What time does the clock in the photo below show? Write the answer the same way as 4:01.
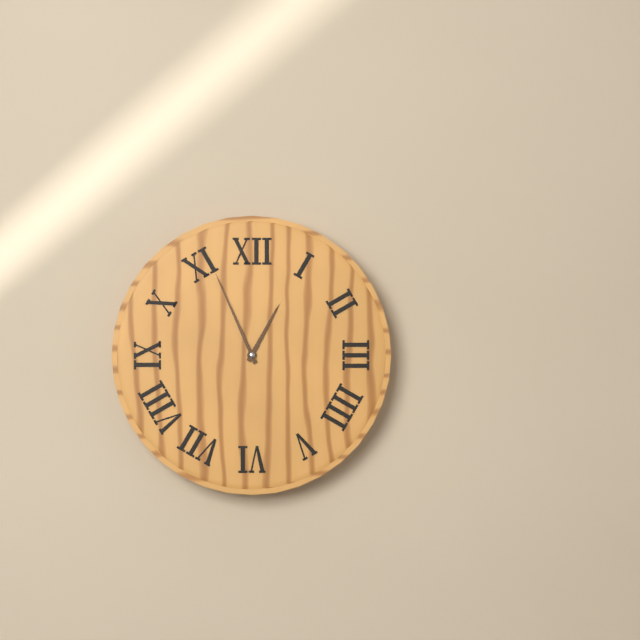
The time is 12:56
